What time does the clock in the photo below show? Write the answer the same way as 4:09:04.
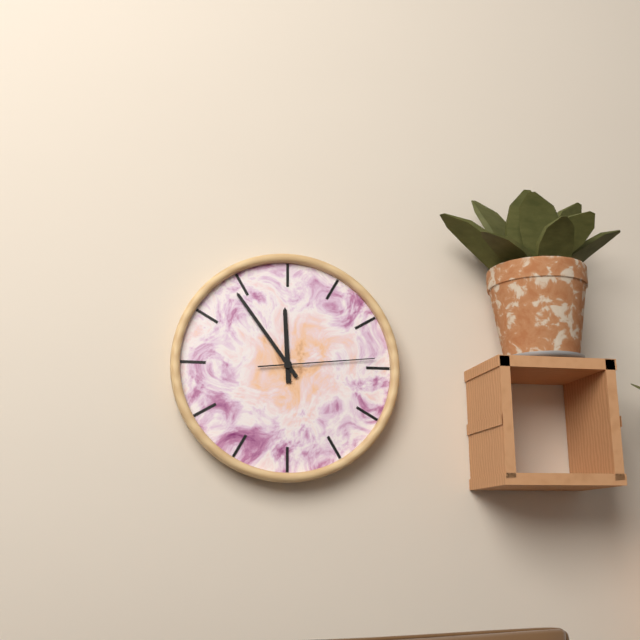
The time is 11:54:14
